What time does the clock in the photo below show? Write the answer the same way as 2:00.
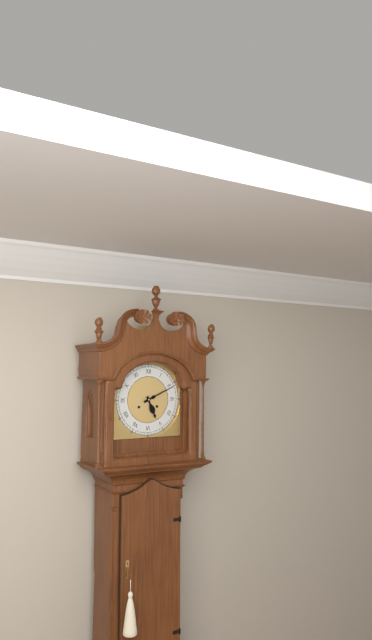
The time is 5:11
